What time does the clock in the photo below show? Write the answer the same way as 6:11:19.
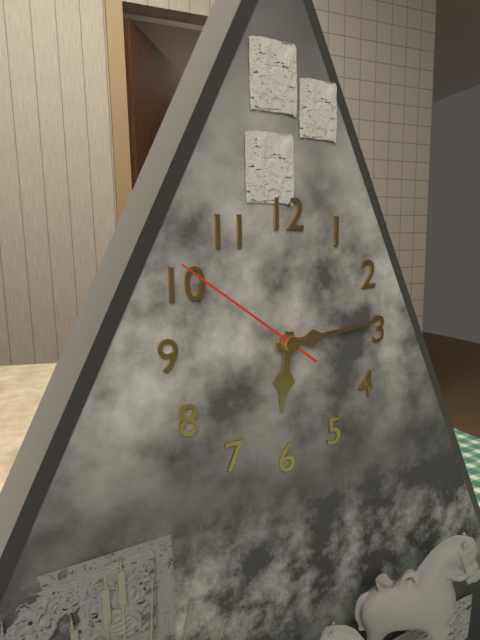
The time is 6:14:51
